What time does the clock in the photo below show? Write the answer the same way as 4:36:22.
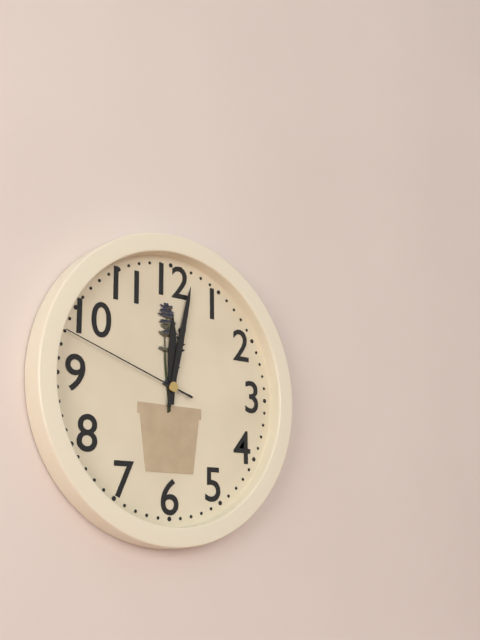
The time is 12:02:48
